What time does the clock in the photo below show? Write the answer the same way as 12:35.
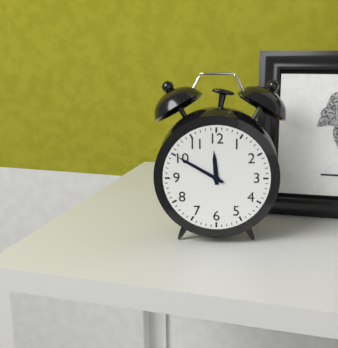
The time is 11:50
